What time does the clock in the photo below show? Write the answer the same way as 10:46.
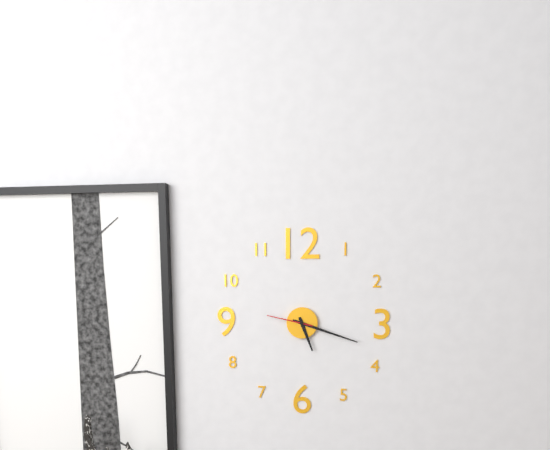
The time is 5:18
